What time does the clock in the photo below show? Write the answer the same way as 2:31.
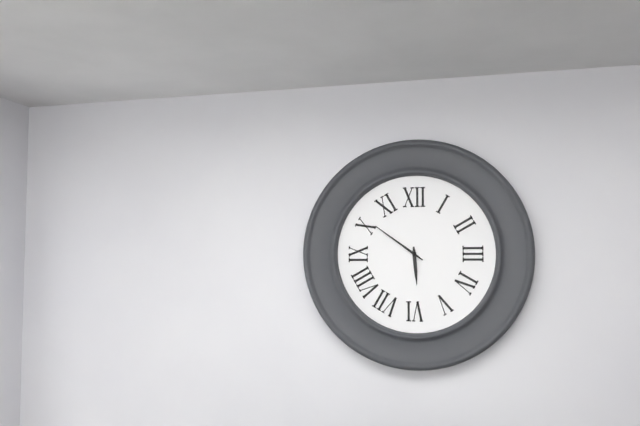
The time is 5:51
